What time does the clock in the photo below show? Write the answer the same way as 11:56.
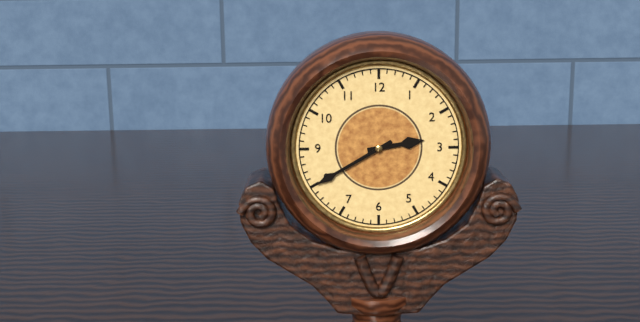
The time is 2:40
